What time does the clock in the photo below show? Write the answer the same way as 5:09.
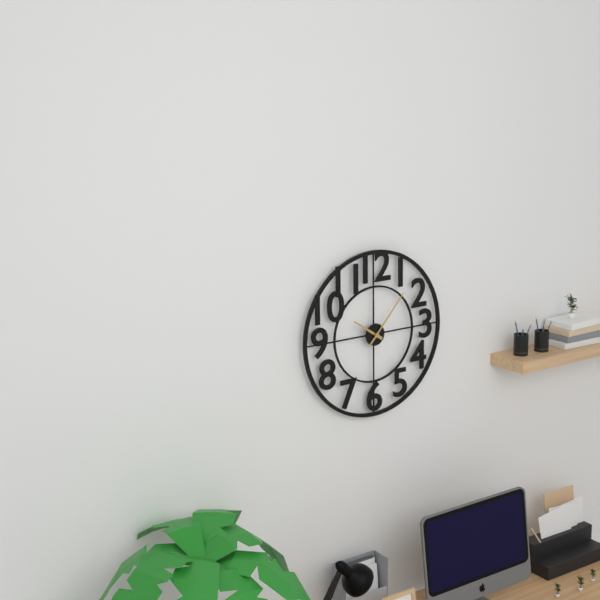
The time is 10:07
